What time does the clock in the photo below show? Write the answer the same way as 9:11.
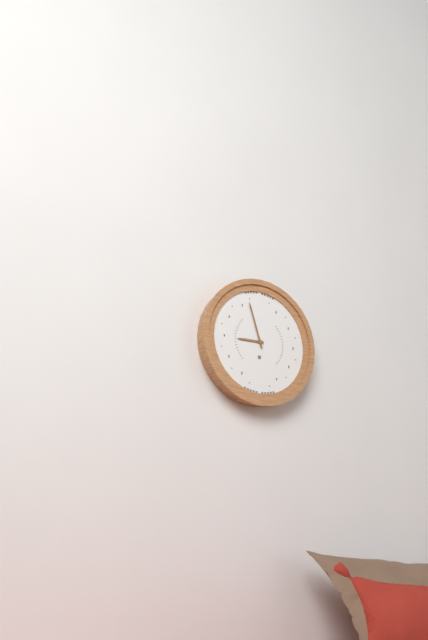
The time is 8:57
